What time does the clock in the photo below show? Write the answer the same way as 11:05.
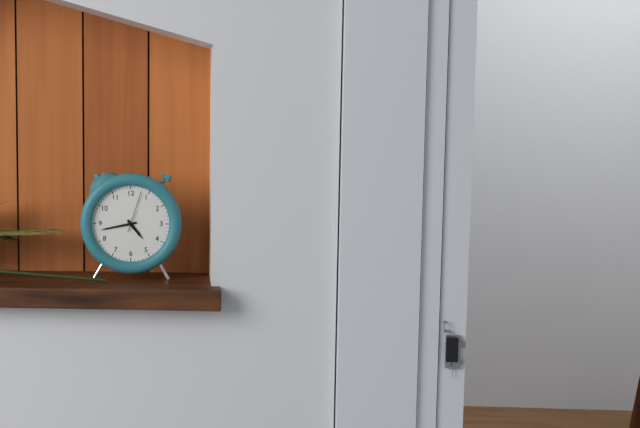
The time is 4:43
